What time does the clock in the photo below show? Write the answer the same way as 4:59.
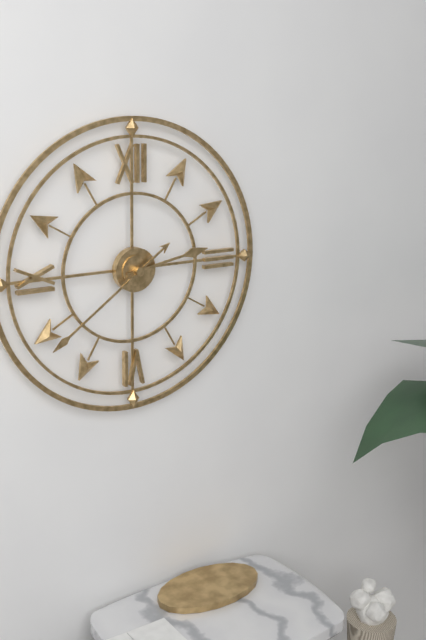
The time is 2:39
